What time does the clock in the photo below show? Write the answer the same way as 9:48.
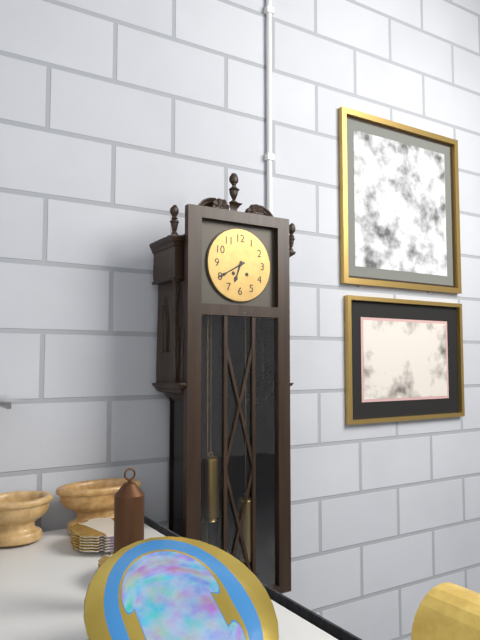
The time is 6:40
